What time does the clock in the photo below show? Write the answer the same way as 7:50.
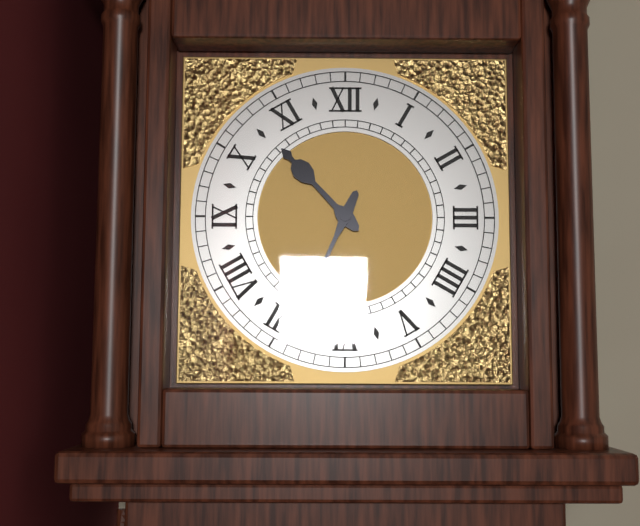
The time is 10:34
